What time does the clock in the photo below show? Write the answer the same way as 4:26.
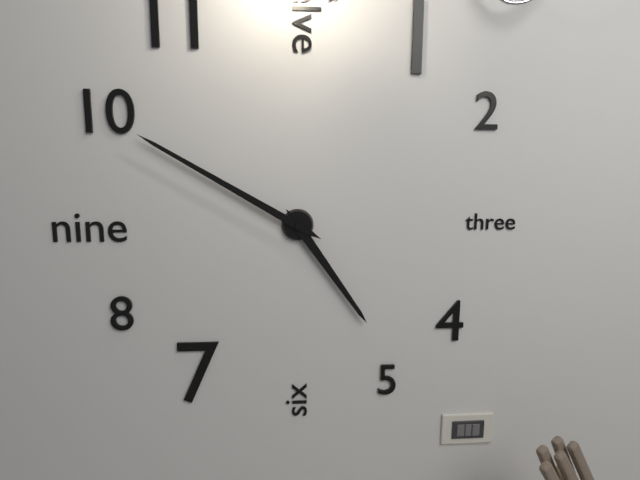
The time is 4:50
